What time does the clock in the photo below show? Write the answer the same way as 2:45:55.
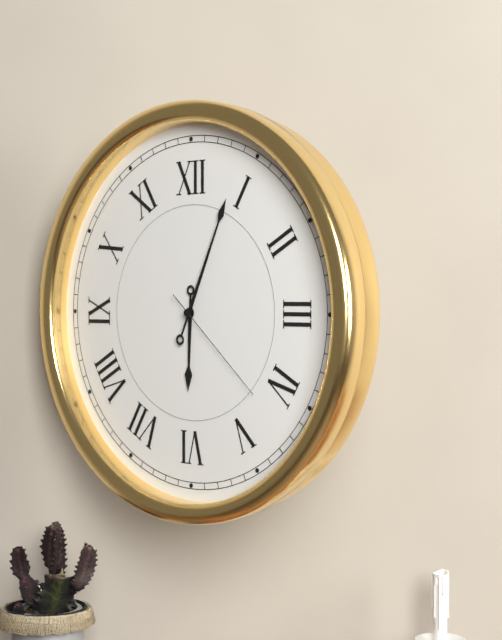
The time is 6:04:22
